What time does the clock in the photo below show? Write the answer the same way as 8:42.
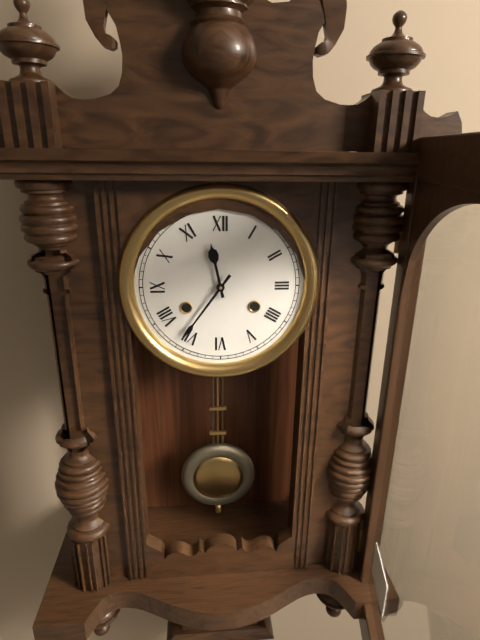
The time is 11:36
